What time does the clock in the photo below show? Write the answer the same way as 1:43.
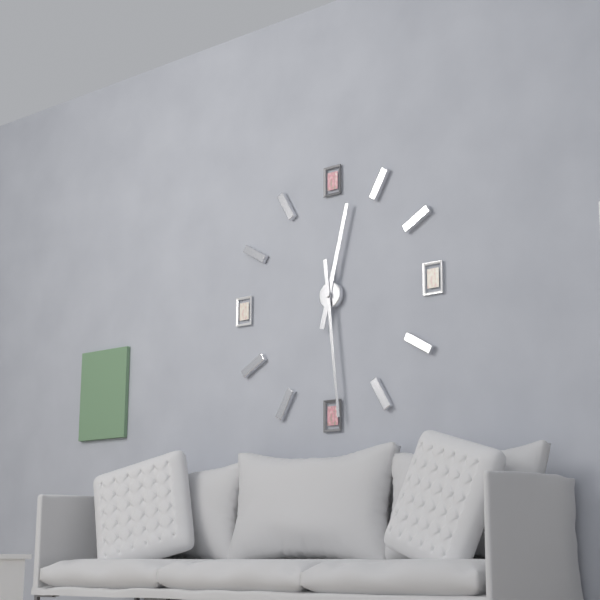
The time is 12:29
